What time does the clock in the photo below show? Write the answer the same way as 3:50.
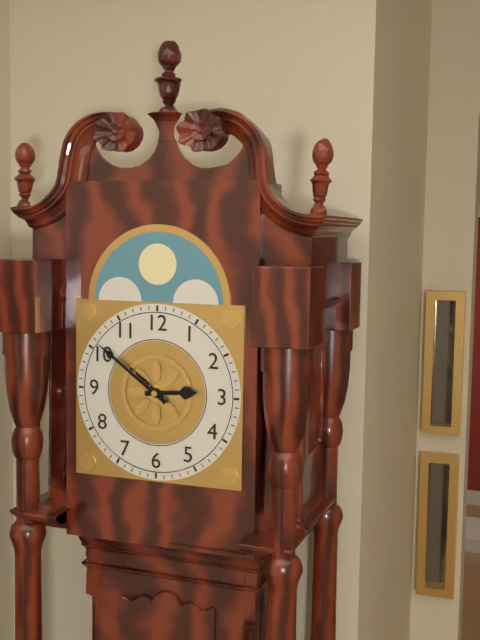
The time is 2:51
